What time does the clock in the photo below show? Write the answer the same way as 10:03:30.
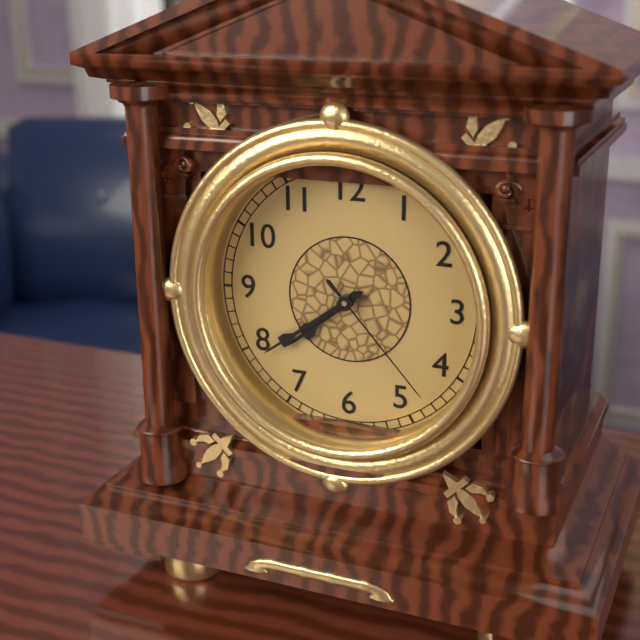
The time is 7:39:23
